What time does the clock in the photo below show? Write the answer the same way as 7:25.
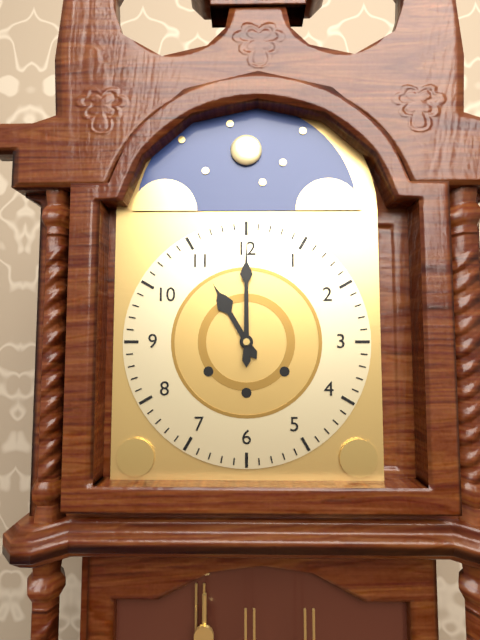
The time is 11:00
